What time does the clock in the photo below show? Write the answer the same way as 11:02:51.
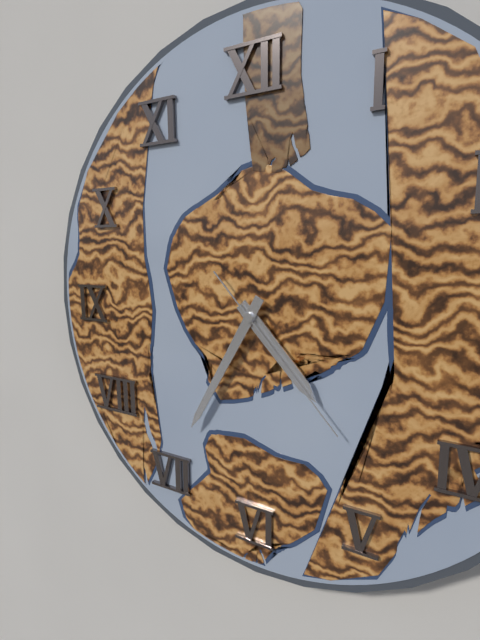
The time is 4:35:23
